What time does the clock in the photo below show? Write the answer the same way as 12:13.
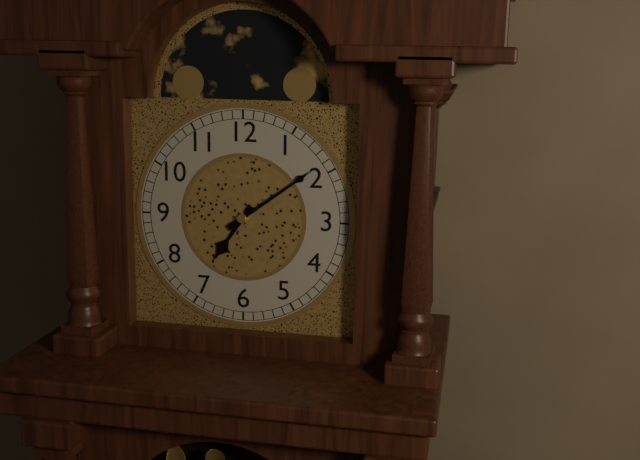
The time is 7:09
